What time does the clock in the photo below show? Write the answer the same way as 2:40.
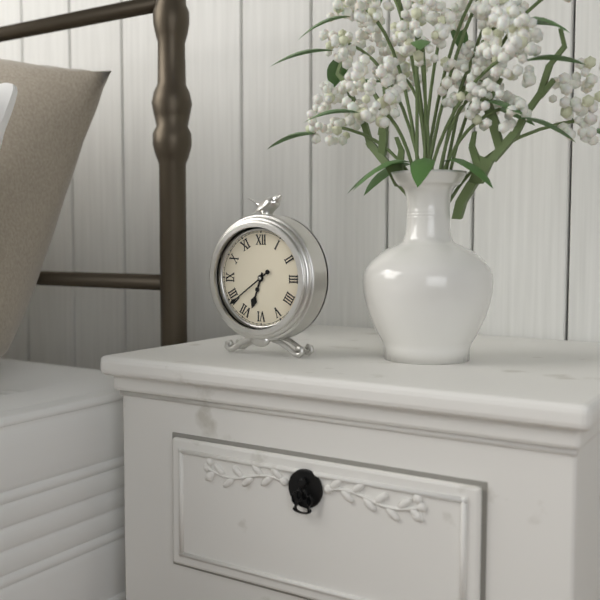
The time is 6:39
